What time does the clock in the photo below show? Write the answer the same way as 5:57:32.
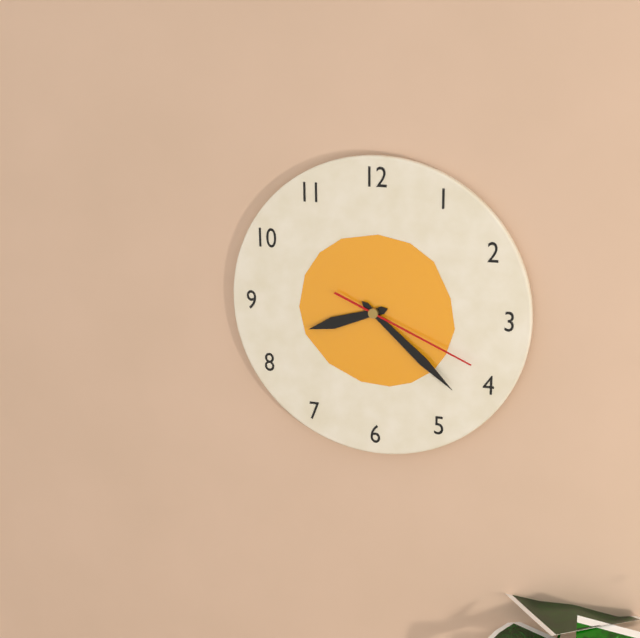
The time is 8:22:19
